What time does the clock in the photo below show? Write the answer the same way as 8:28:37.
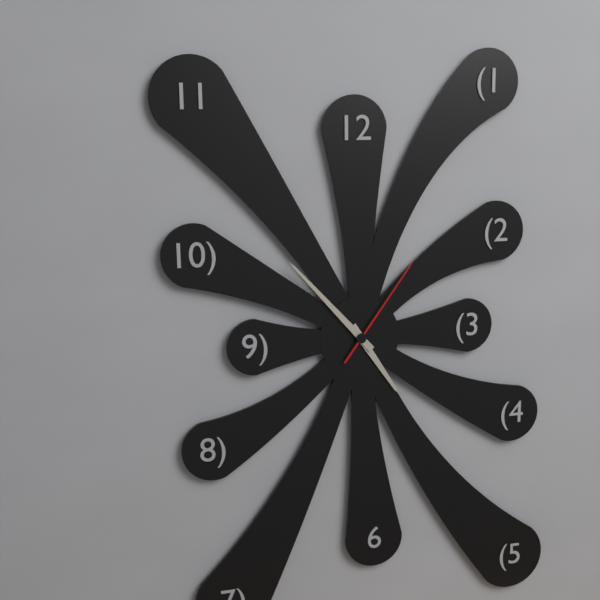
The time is 4:53:06
